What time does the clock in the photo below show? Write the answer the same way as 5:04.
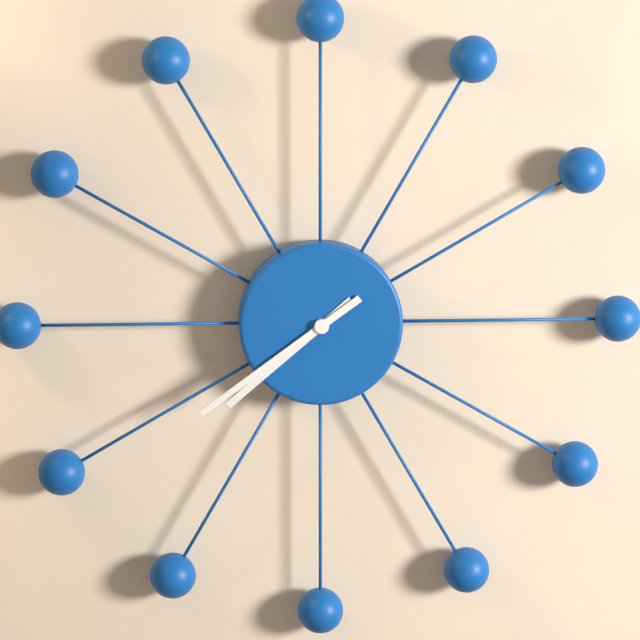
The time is 7:39
